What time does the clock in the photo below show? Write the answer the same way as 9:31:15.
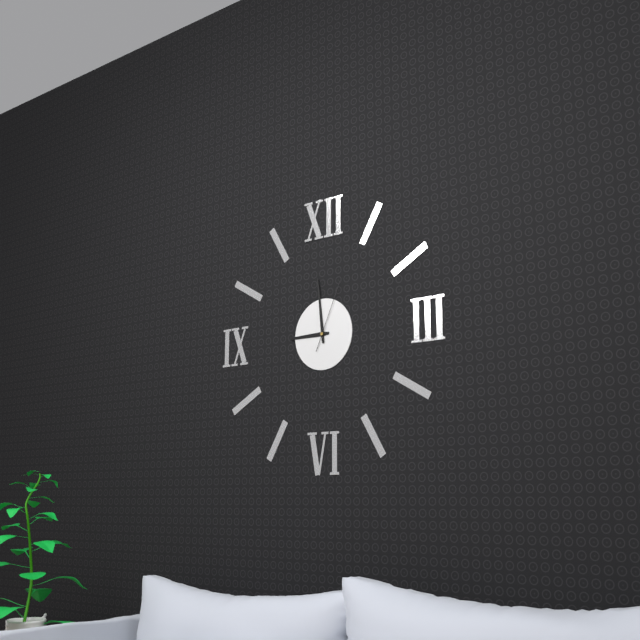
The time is 8:59:04
